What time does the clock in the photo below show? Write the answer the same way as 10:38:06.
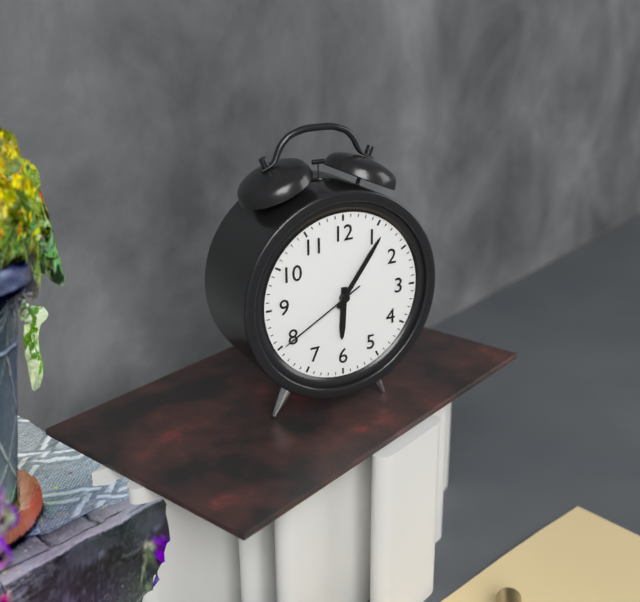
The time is 6:06:40
